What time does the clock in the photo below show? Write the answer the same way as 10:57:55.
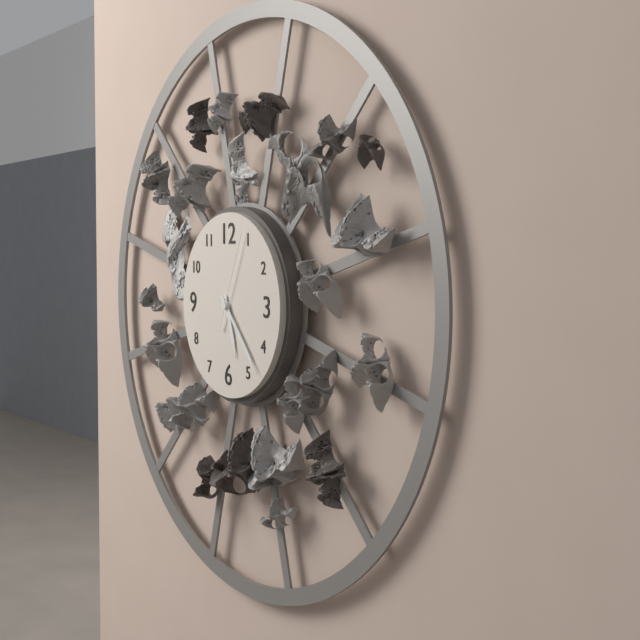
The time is 5:23:04
